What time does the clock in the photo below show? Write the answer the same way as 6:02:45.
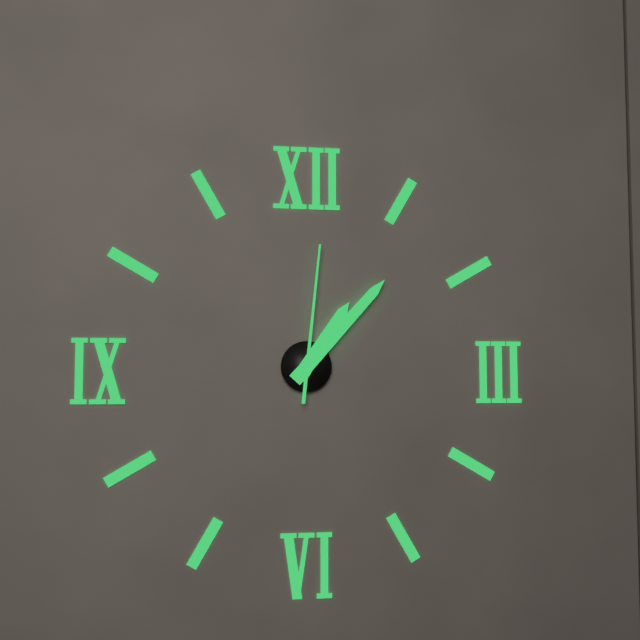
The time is 1:07:01
